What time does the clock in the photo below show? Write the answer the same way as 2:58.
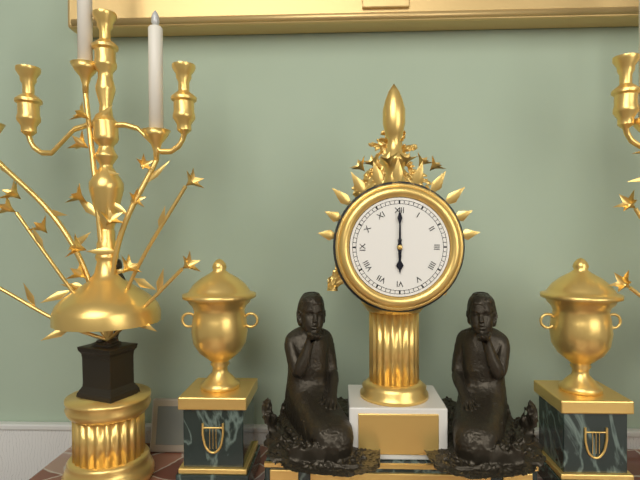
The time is 6:00
